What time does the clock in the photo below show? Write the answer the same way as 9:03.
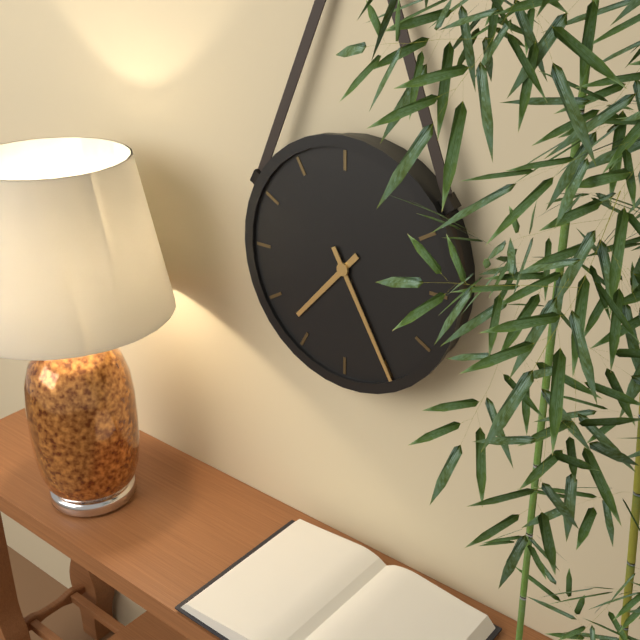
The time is 7:25
